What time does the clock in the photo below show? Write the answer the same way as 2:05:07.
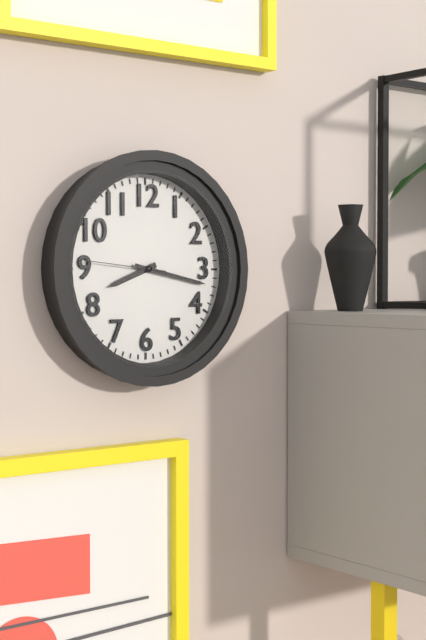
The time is 8:17:46
